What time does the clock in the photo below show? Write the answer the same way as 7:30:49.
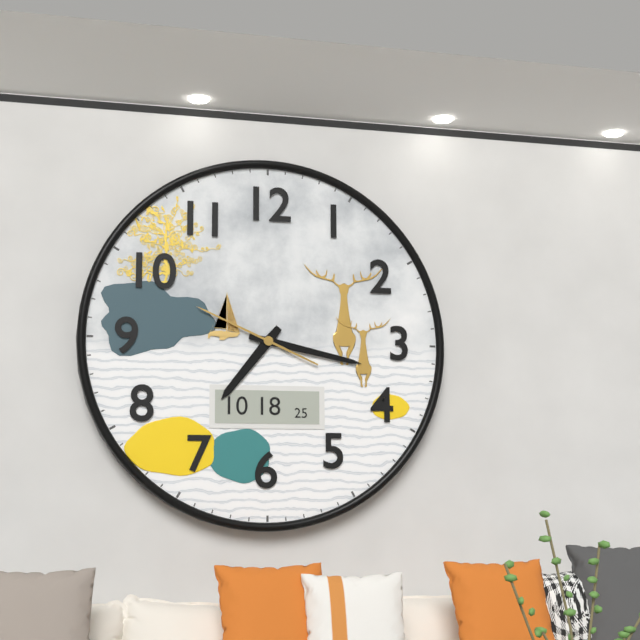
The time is 7:17:49
